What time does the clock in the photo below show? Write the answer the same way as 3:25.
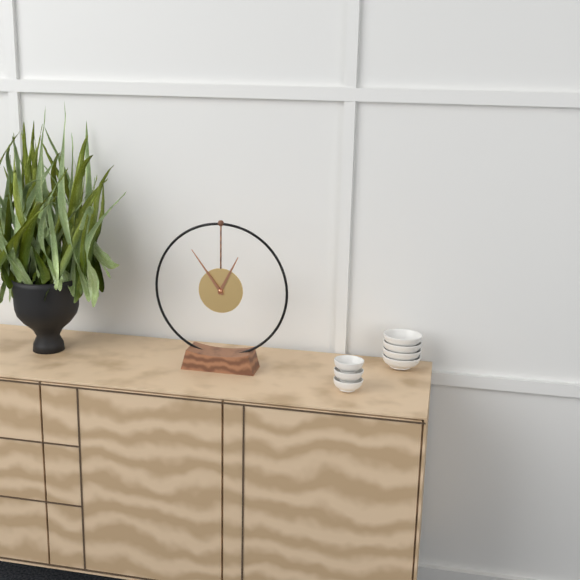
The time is 12:54
